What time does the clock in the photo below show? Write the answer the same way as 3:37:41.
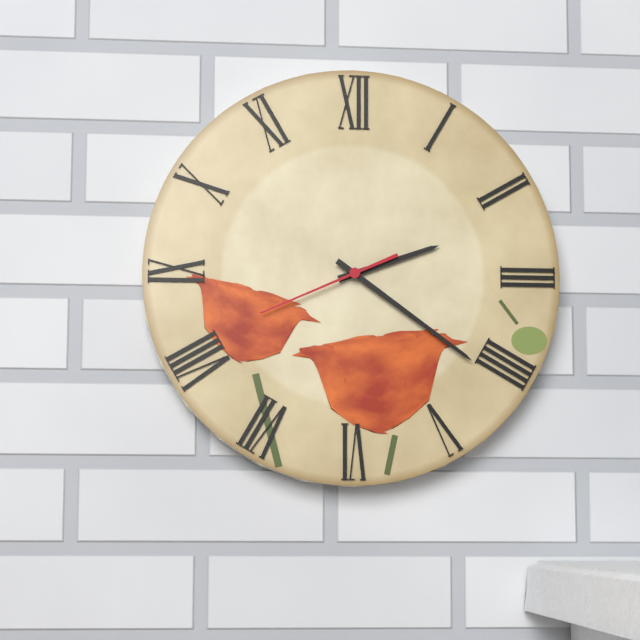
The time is 2:21:41
